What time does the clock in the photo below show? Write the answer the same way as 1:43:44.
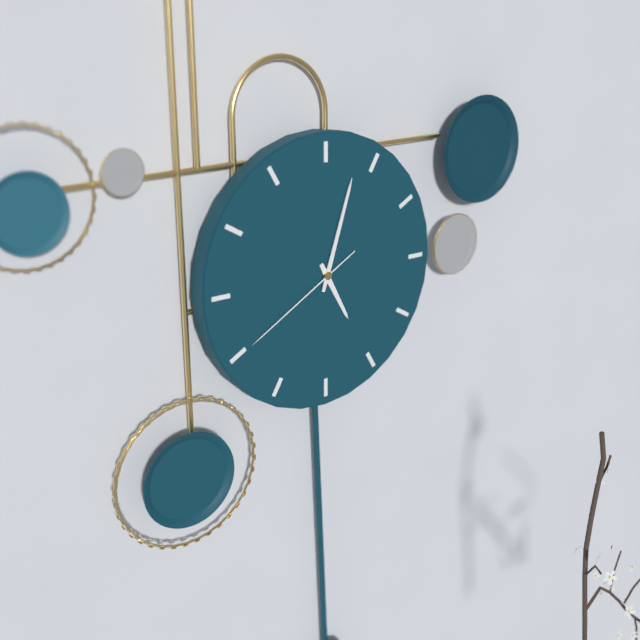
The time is 5:03:40
